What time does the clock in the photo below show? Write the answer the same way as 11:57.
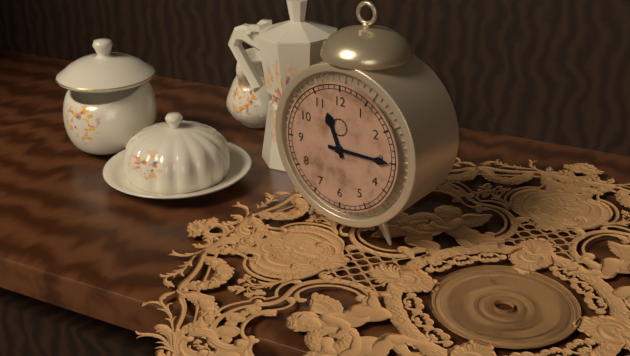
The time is 11:15
